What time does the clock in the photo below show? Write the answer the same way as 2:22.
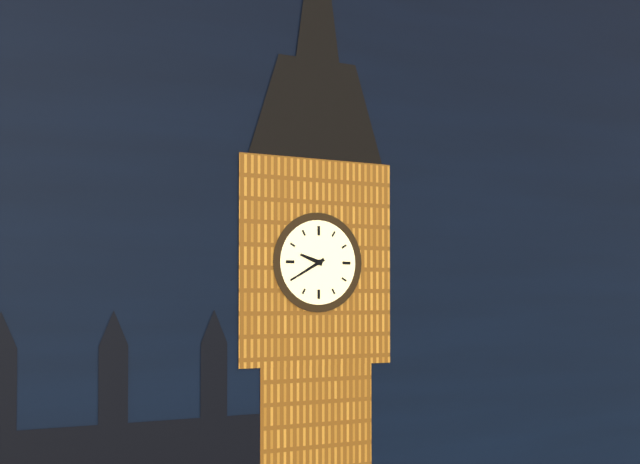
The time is 9:40
